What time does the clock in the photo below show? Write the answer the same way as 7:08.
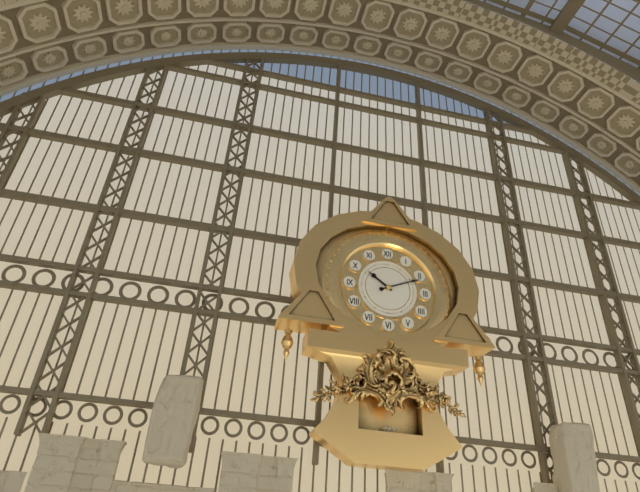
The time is 10:11
